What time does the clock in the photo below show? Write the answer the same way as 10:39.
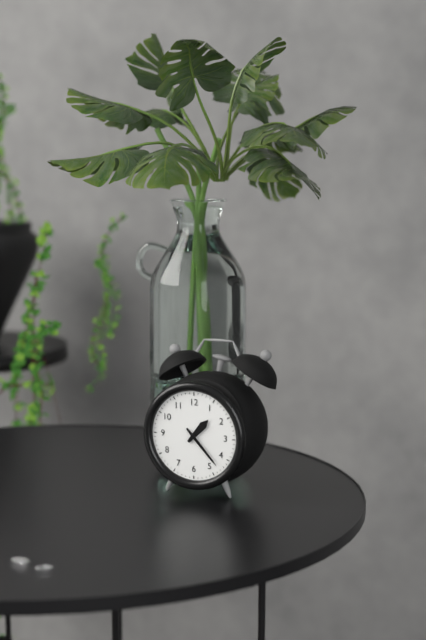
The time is 1:23
